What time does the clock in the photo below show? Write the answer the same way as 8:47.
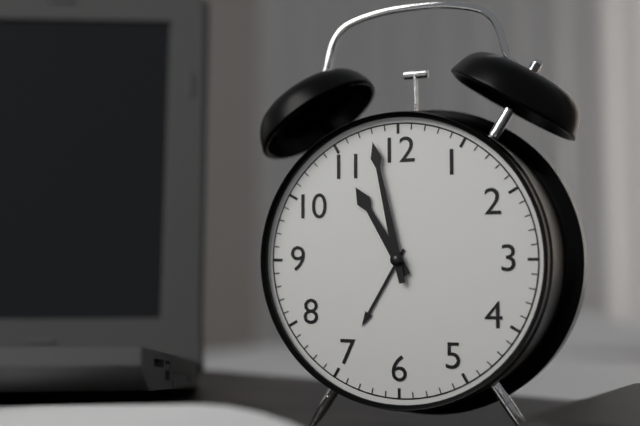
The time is 10:58
